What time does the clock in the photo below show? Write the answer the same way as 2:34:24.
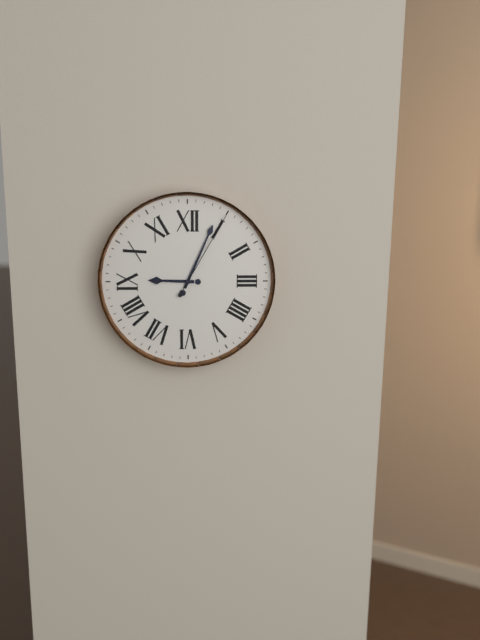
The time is 9:04:05
